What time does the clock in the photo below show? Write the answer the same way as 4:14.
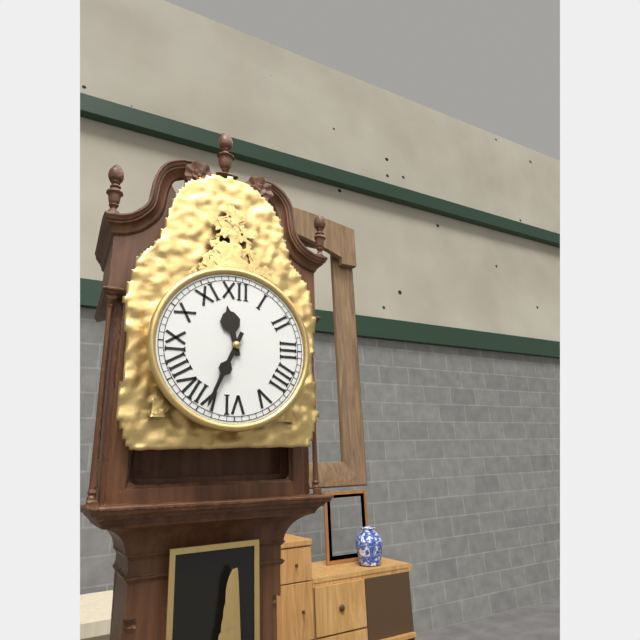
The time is 11:34
